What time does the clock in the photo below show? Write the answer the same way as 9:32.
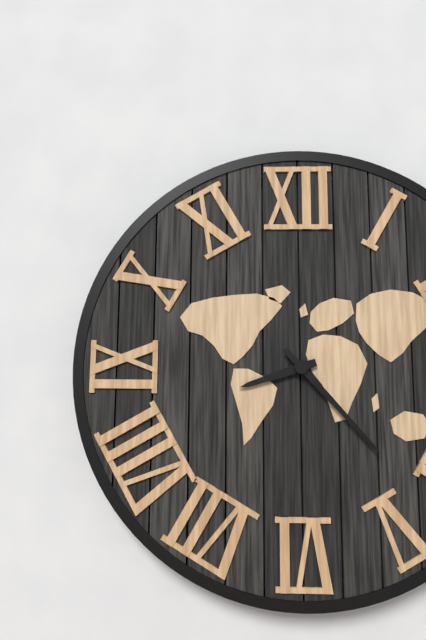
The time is 8:23
